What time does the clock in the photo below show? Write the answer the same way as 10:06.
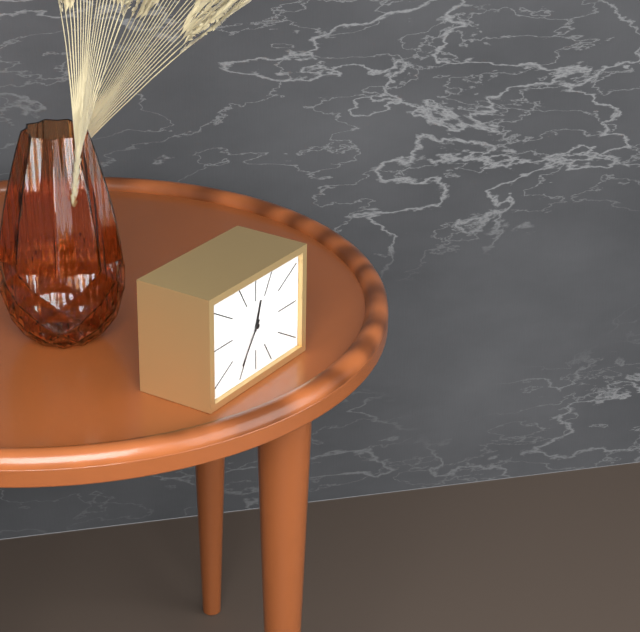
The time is 12:36
